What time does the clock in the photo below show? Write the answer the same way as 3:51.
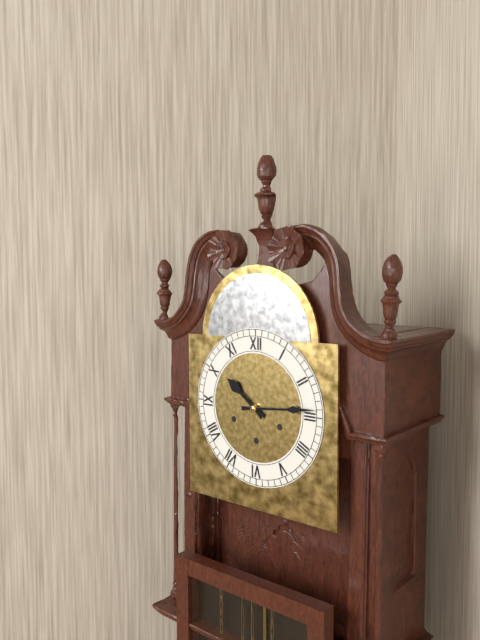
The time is 10:14
